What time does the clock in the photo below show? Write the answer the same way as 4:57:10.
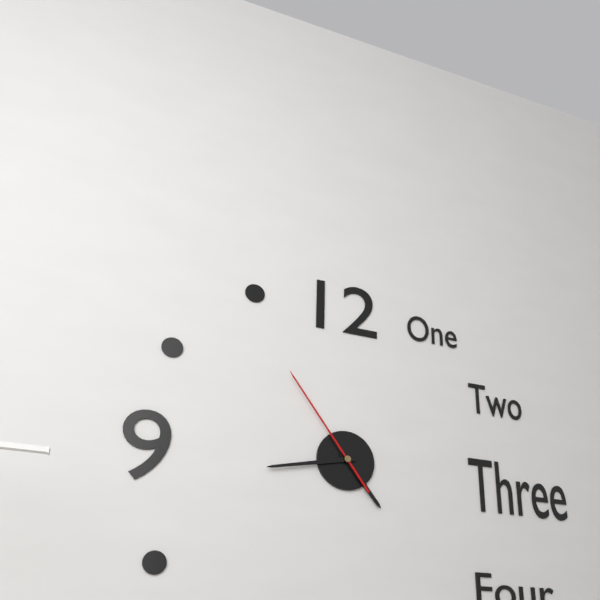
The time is 4:43:54
